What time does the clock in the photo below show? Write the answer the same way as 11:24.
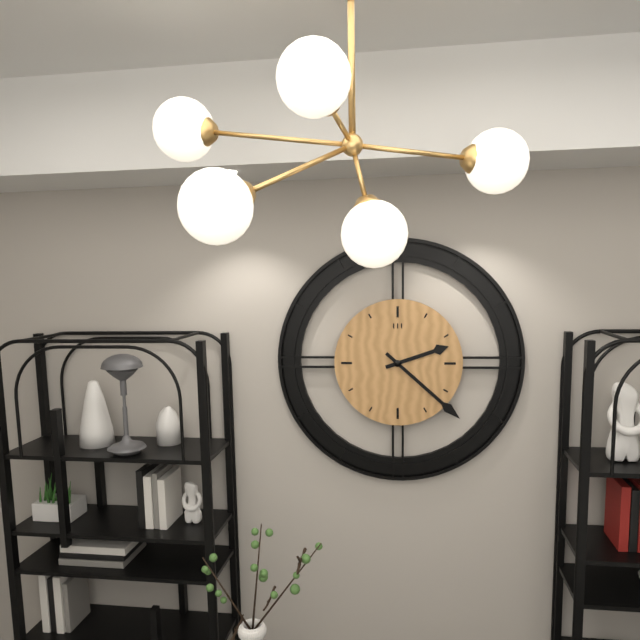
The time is 2:22
